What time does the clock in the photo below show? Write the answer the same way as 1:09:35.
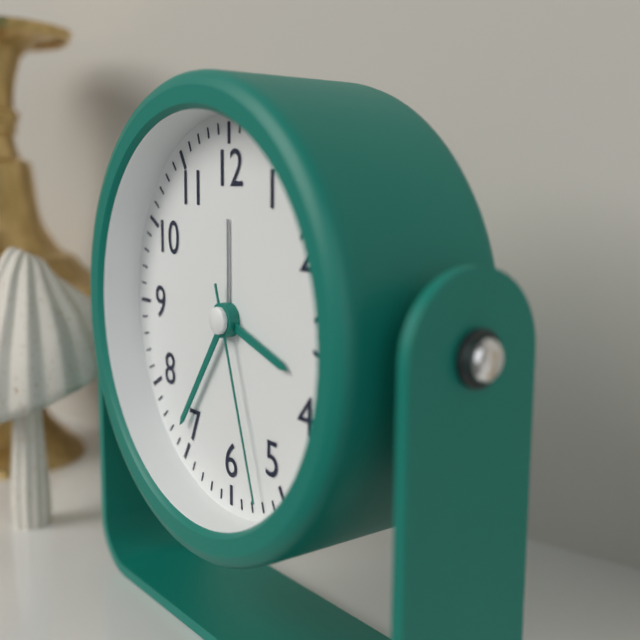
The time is 3:36:27
